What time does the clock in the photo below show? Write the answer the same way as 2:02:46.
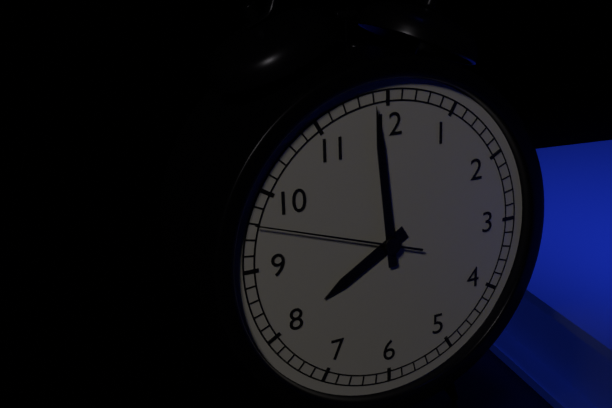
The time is 7:59:48
